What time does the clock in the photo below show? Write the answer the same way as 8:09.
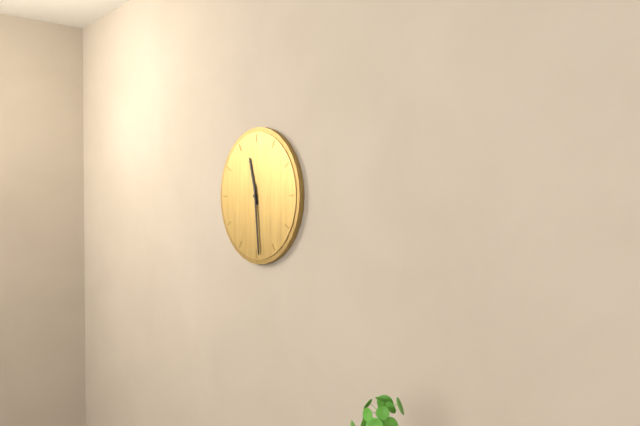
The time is 11:29
